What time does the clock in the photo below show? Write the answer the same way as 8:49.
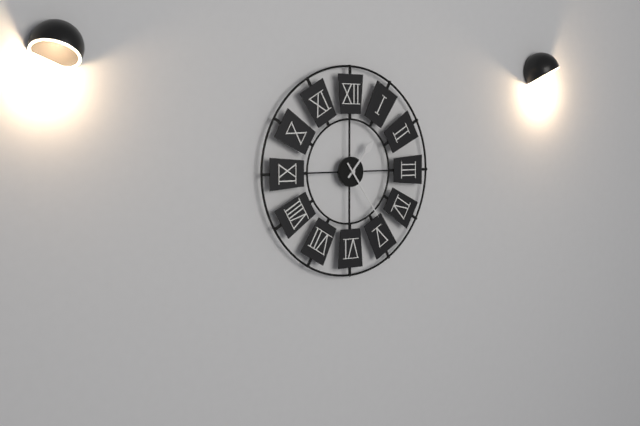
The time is 1:24
